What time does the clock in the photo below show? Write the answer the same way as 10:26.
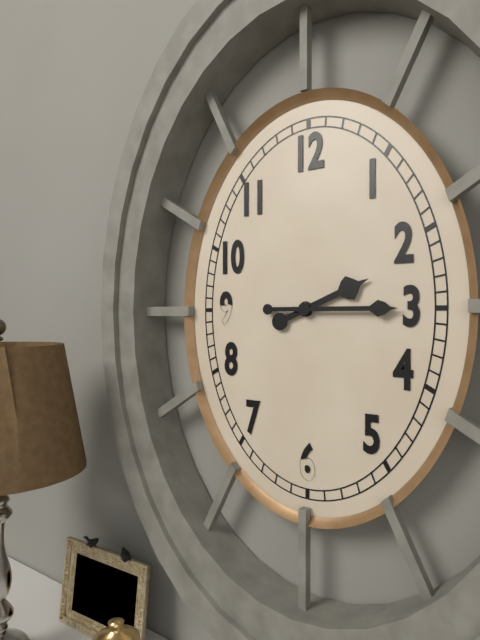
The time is 2:15
